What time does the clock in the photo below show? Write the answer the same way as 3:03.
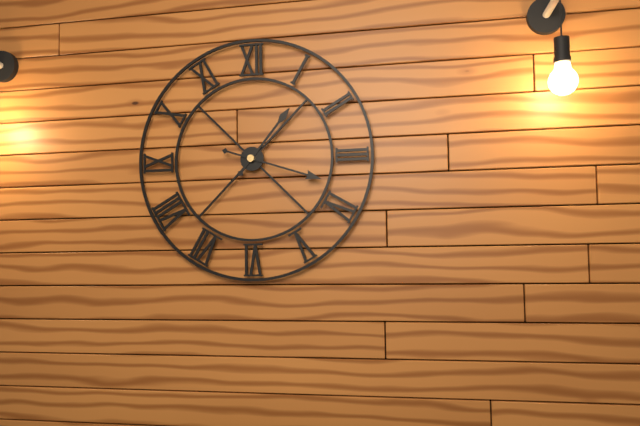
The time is 1:18
